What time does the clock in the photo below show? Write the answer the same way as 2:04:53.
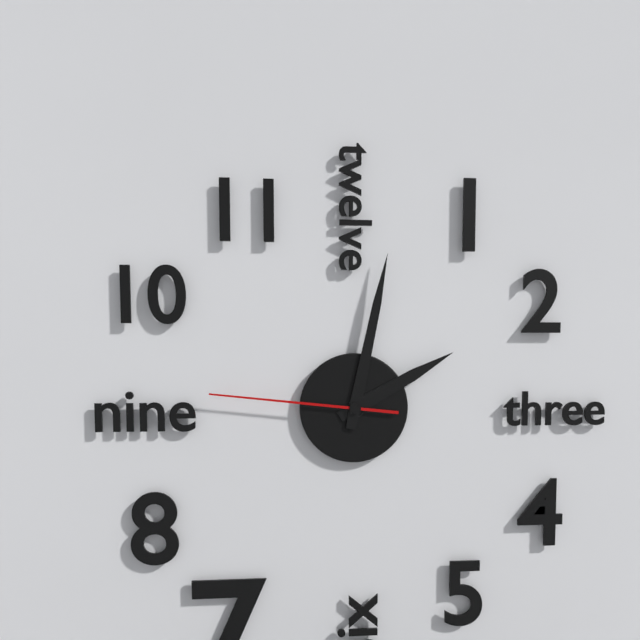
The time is 2:02:46
